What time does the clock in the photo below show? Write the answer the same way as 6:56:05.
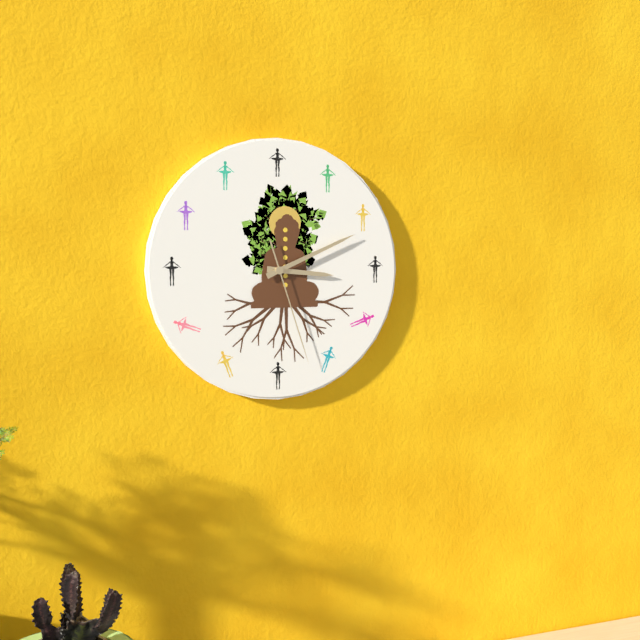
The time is 3:11:27
